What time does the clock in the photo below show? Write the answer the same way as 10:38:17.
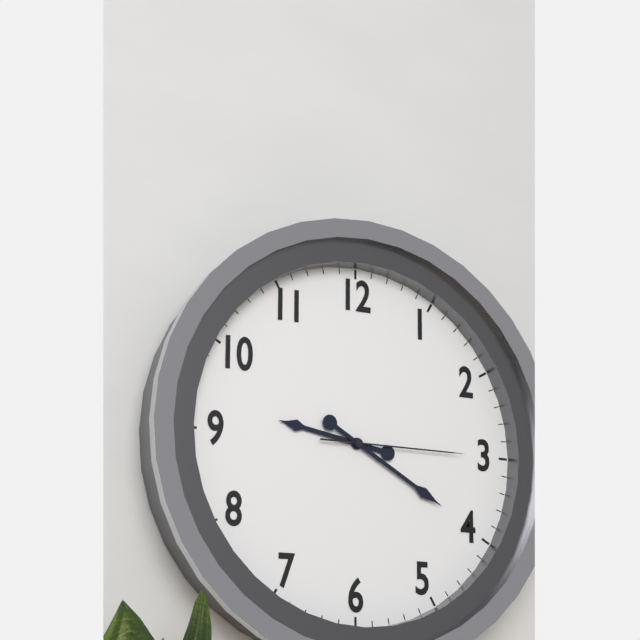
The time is 9:20:15
